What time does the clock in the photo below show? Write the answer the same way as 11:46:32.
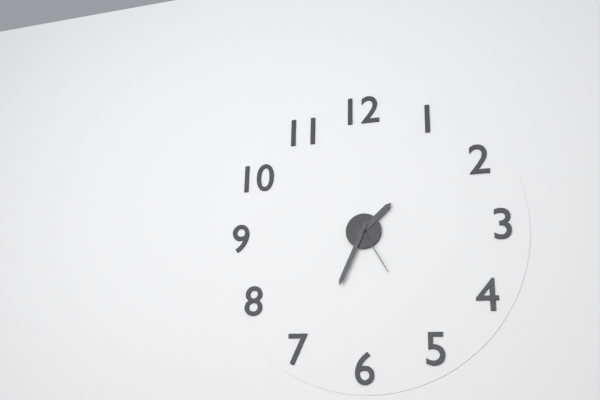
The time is 1:34:25
